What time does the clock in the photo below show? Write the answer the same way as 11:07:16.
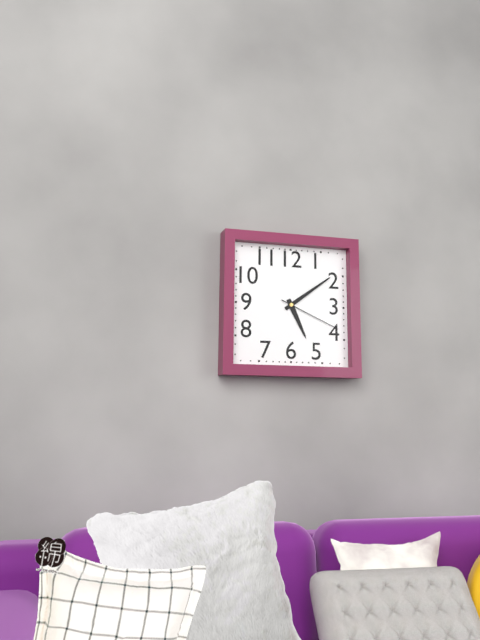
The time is 5:09:19
